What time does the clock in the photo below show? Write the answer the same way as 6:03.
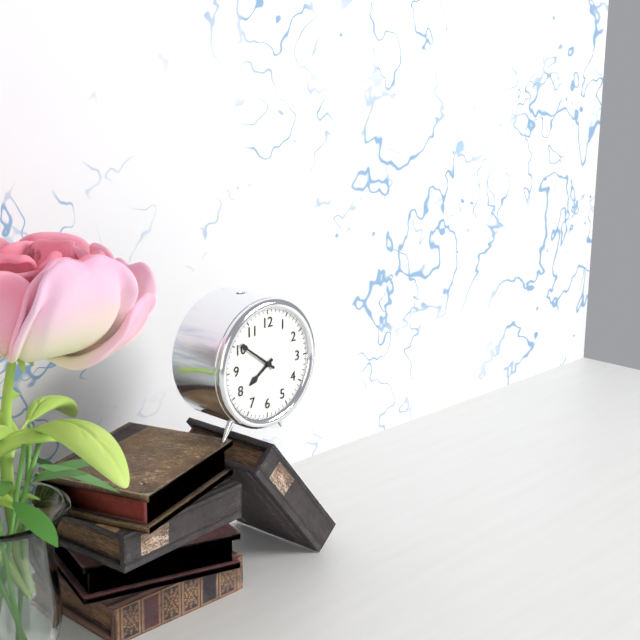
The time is 7:51
